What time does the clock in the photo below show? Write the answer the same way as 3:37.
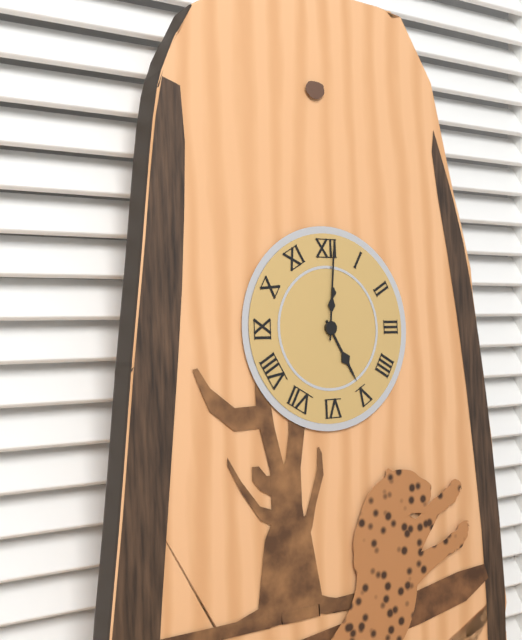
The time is 5:01
